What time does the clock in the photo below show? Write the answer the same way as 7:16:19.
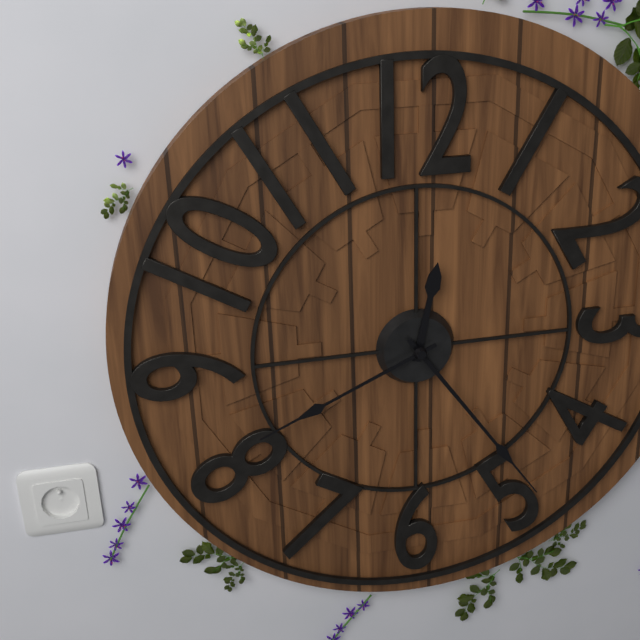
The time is 12:24:41
